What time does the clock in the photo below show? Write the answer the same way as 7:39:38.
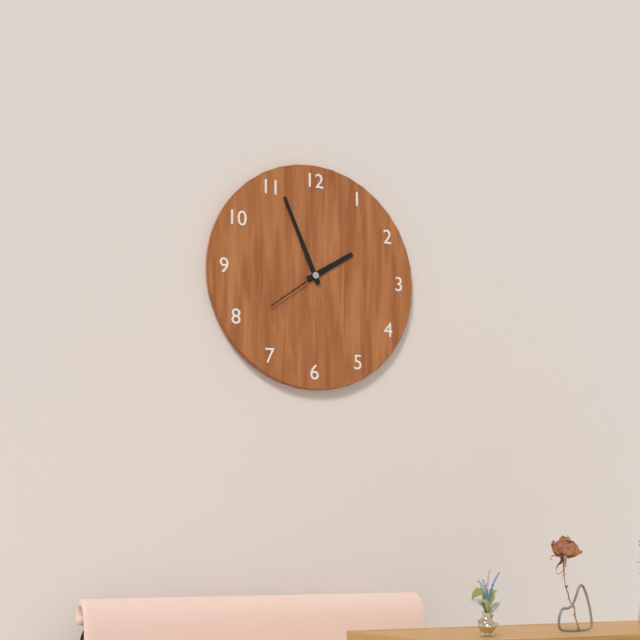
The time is 1:56:39
